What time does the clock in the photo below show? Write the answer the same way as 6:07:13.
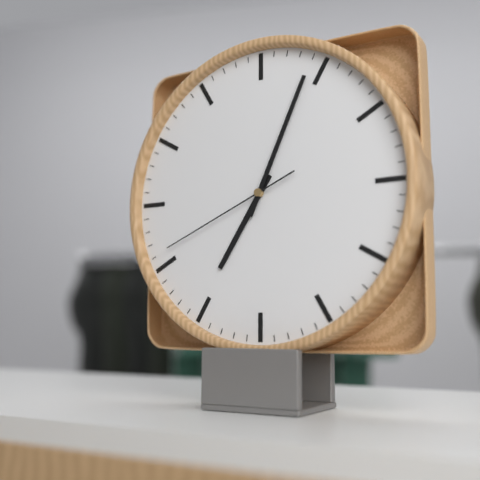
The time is 7:04:41
